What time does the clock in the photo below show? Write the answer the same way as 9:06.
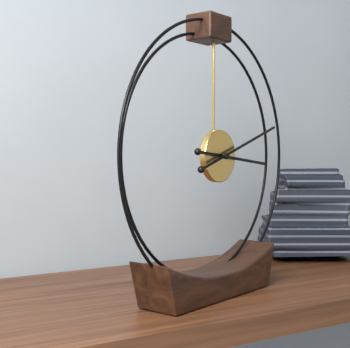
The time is 3:12
